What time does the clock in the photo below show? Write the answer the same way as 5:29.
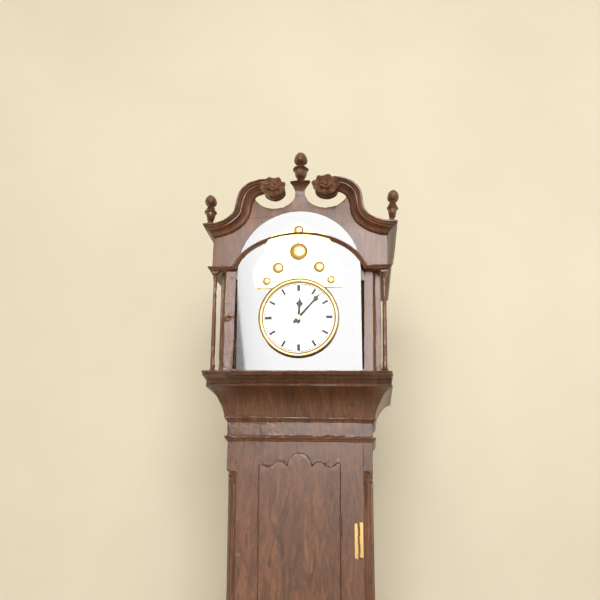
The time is 12:07
